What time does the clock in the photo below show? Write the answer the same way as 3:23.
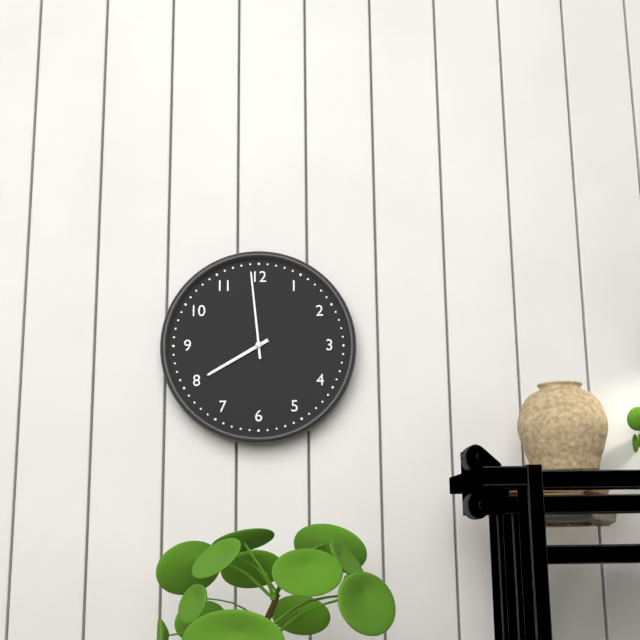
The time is 7:59
